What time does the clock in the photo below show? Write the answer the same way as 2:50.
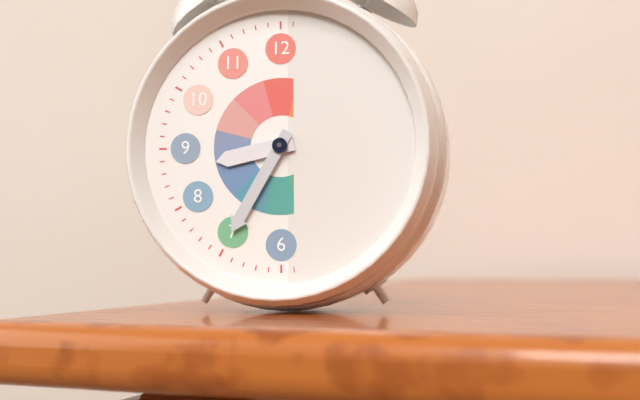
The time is 8:35
